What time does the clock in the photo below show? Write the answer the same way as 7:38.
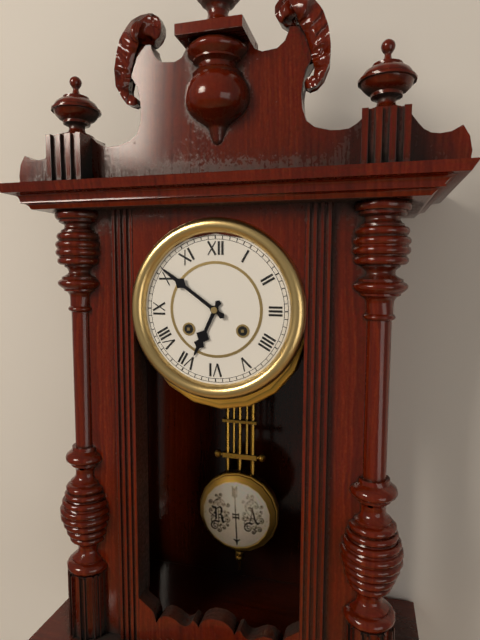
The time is 6:51
